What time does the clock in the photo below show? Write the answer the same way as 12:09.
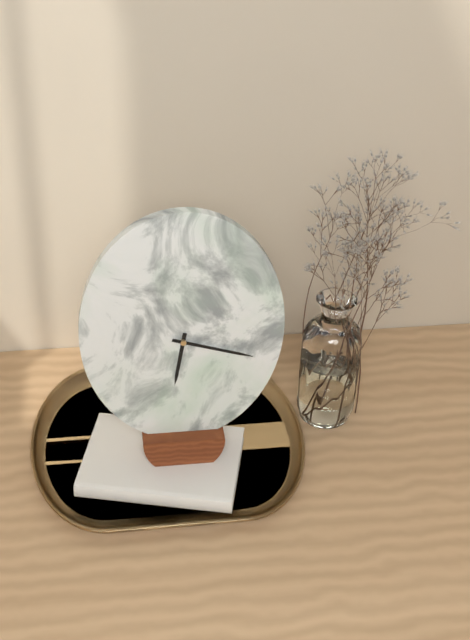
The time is 6:18
